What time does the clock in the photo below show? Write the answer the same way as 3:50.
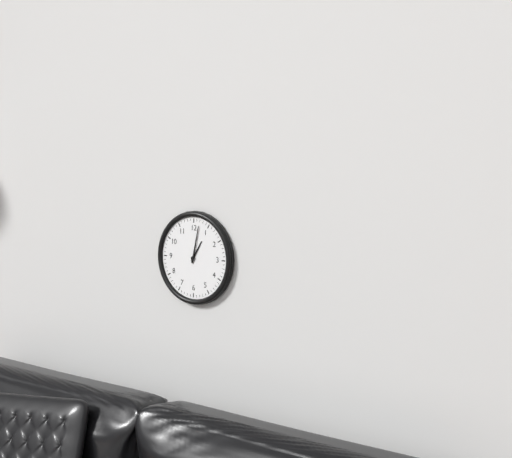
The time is 1:02
